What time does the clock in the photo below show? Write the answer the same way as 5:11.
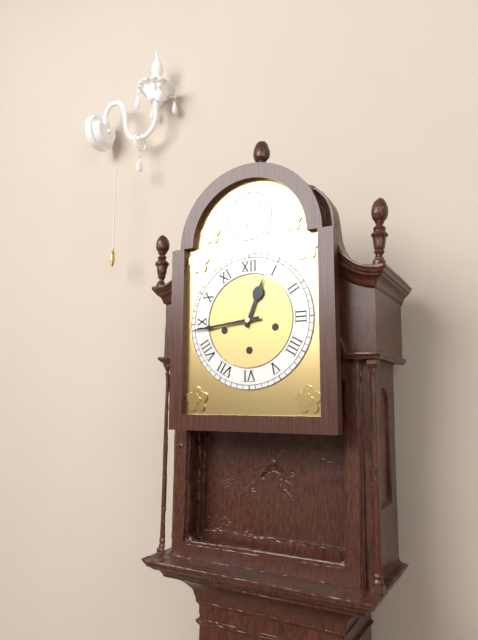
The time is 12:44
